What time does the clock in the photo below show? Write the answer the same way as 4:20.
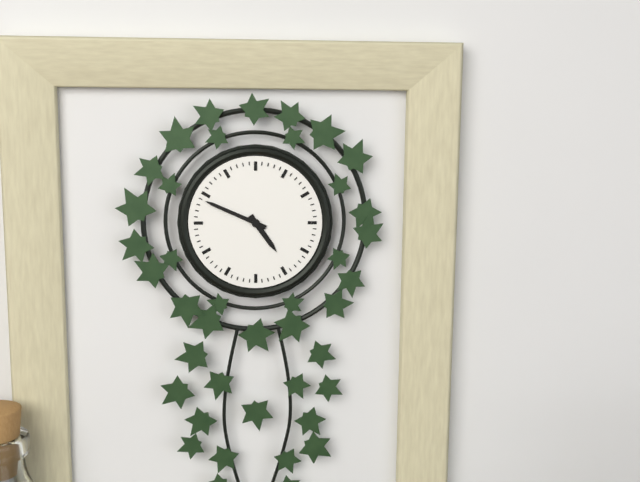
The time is 4:49
